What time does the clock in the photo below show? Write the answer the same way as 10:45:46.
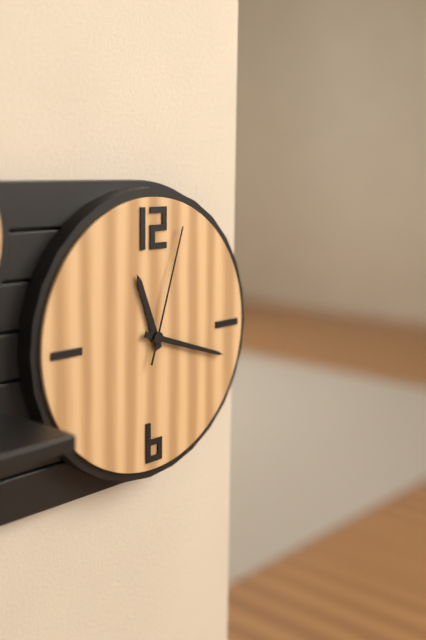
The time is 11:18:03
